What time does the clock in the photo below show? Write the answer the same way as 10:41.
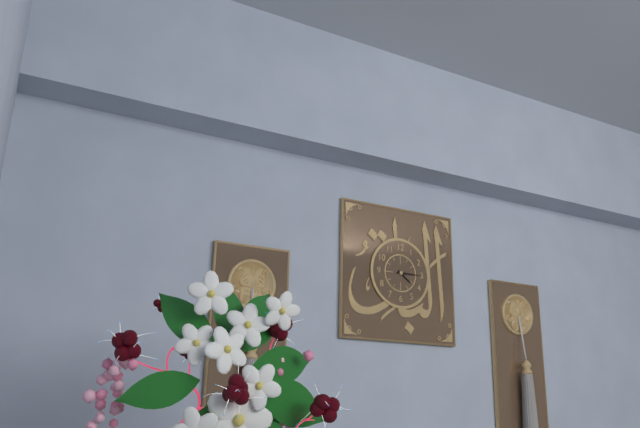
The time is 4:15
